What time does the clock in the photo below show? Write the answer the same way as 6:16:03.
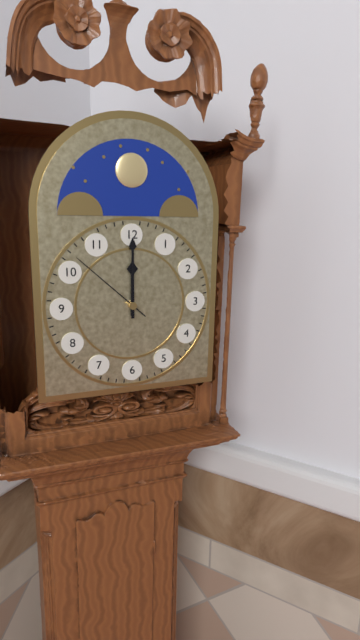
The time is 12:00:52
